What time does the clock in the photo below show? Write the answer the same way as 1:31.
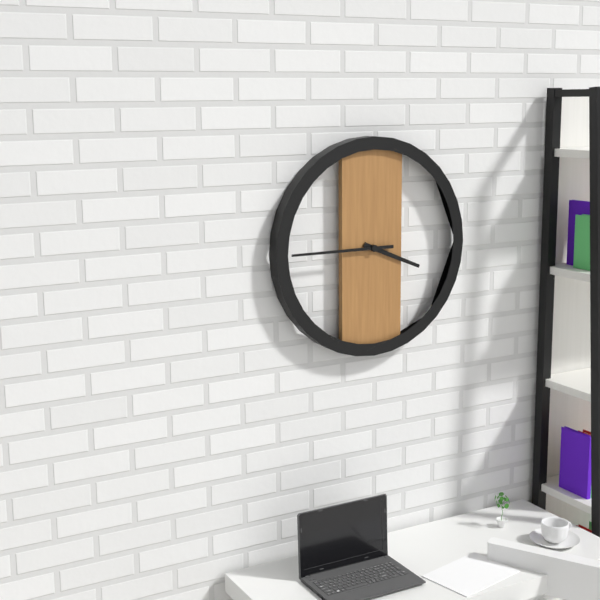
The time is 3:45
